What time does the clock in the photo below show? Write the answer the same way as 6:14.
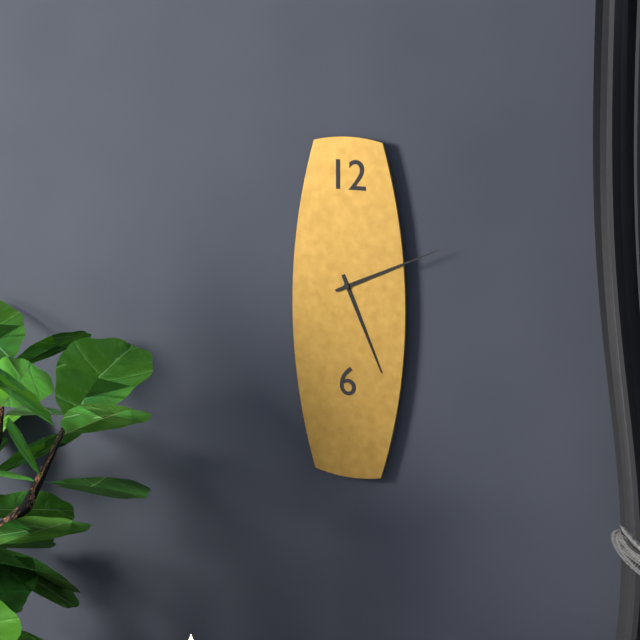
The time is 5:11
